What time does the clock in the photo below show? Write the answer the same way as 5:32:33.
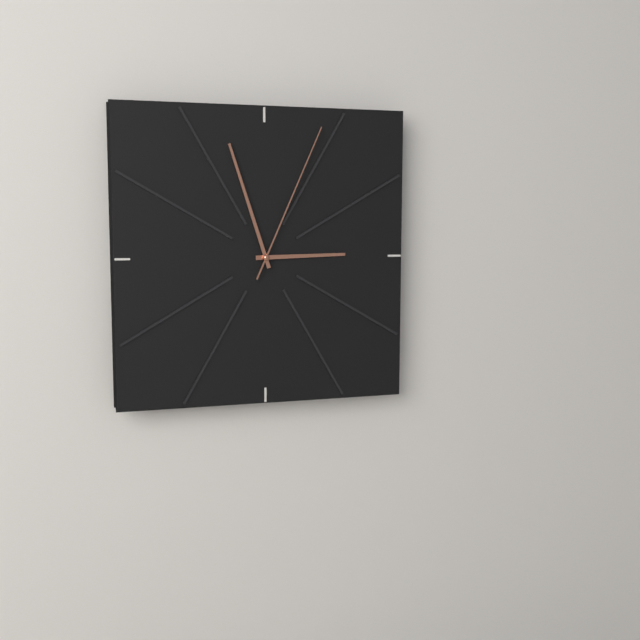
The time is 2:57:04
